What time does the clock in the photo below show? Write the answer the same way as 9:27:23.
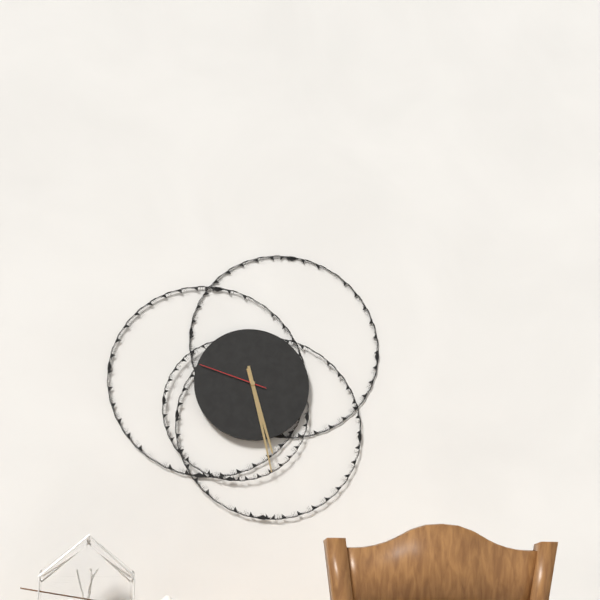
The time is 5:28:48
